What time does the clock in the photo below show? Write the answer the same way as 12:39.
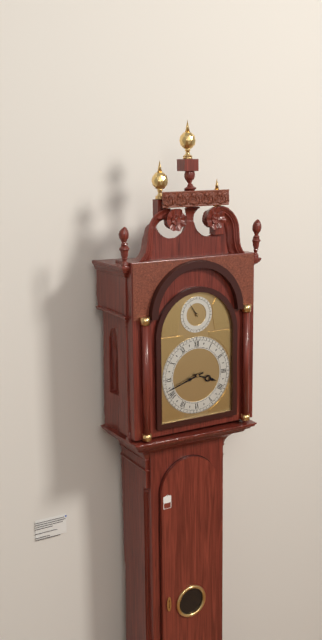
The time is 3:42
